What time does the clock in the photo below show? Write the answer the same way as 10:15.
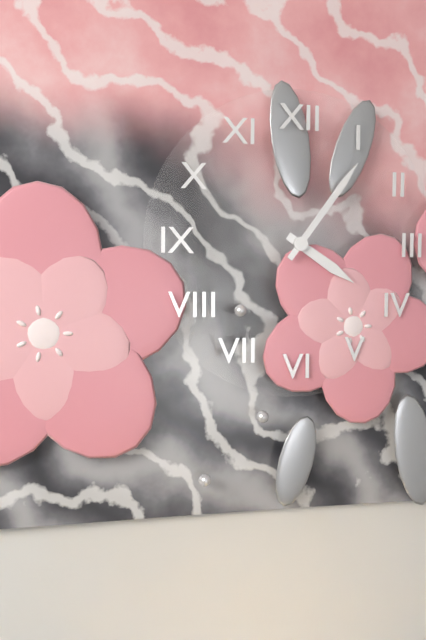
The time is 4:06
